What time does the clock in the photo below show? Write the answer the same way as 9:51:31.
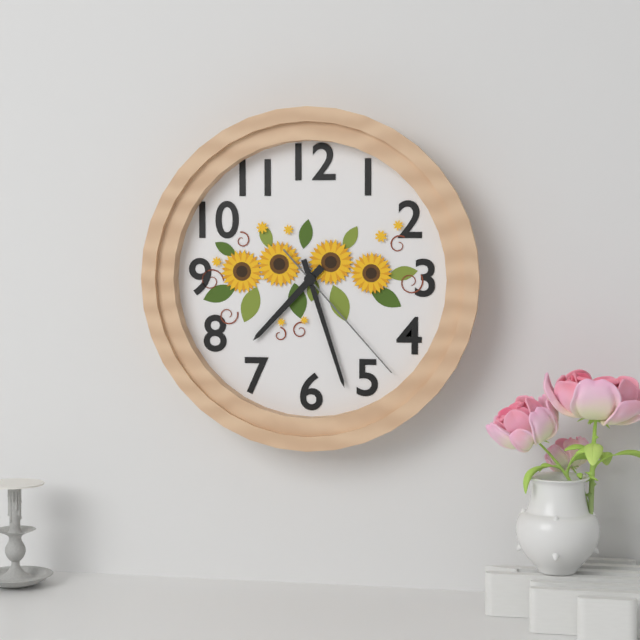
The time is 7:27:23
